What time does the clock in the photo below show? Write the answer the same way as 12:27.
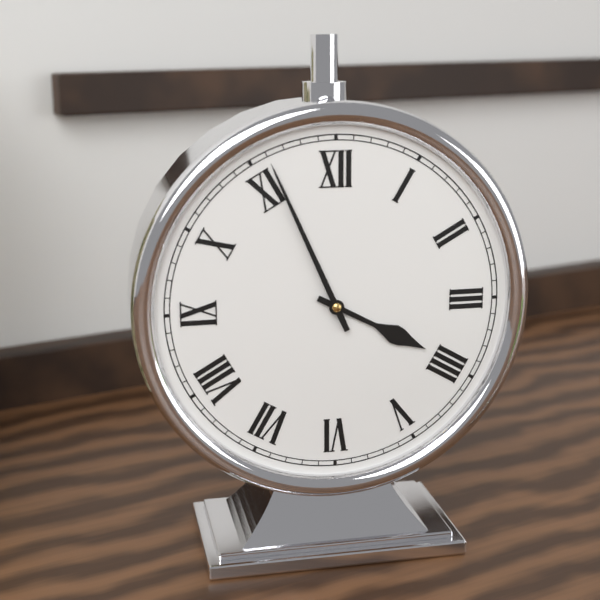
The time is 3:56
